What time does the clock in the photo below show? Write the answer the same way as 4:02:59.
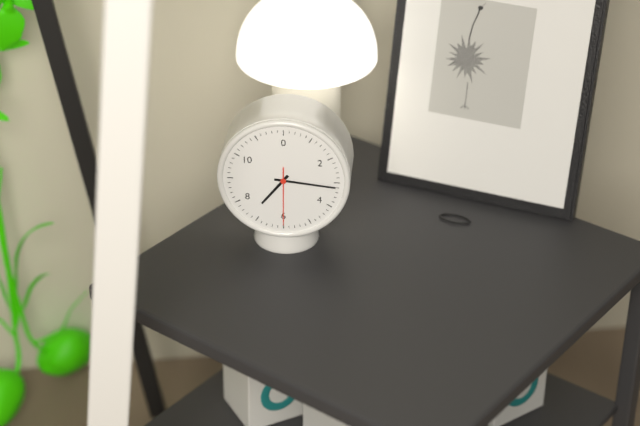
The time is 7:16:30
